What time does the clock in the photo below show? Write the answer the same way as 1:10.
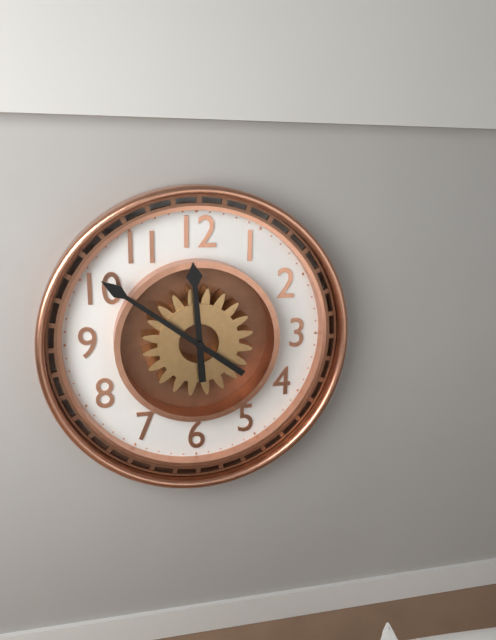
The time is 11:51
